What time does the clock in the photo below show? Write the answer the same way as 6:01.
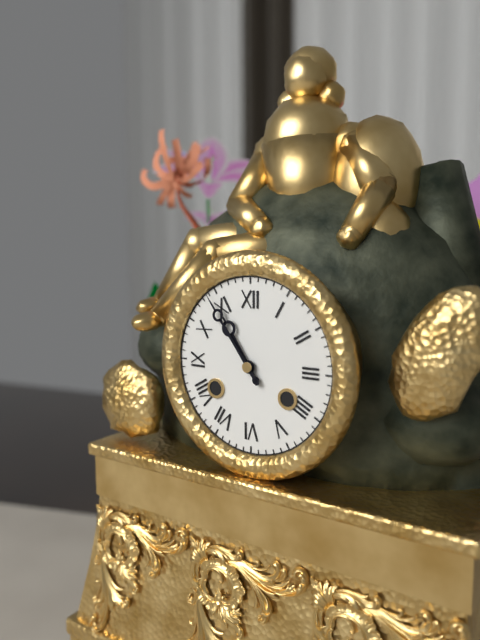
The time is 10:54
